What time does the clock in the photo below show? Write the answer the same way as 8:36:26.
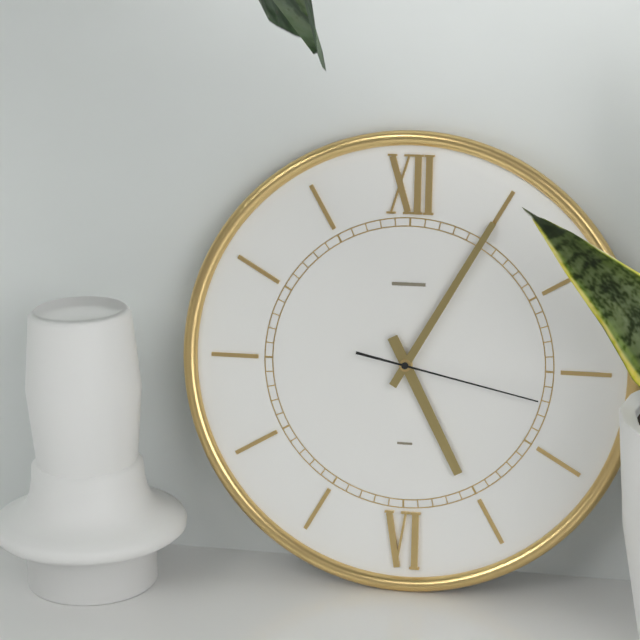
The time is 5:05:17
